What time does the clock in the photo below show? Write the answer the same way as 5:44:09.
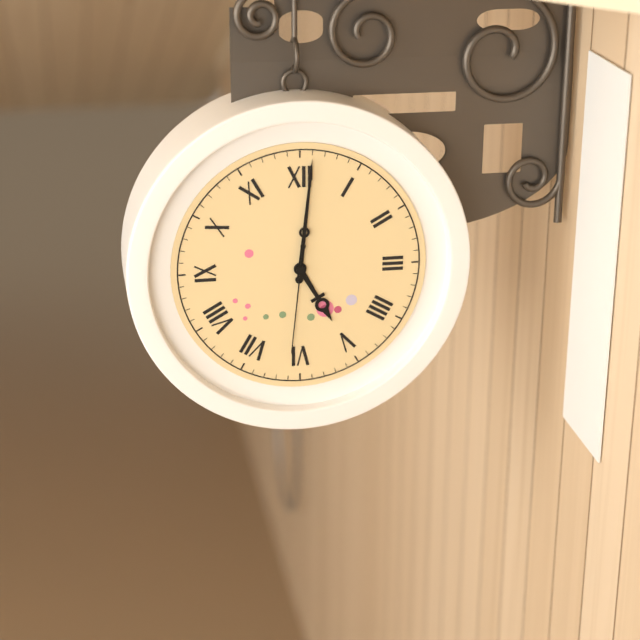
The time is 5:01:31
